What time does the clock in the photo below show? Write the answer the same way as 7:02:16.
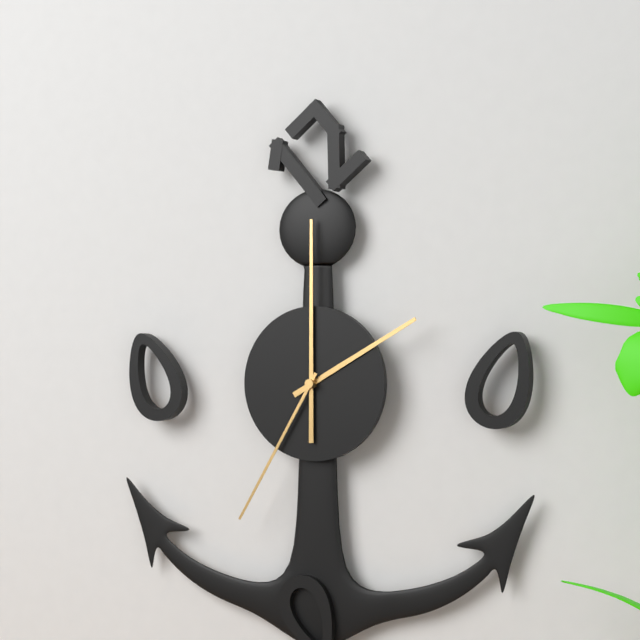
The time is 2:00:35
